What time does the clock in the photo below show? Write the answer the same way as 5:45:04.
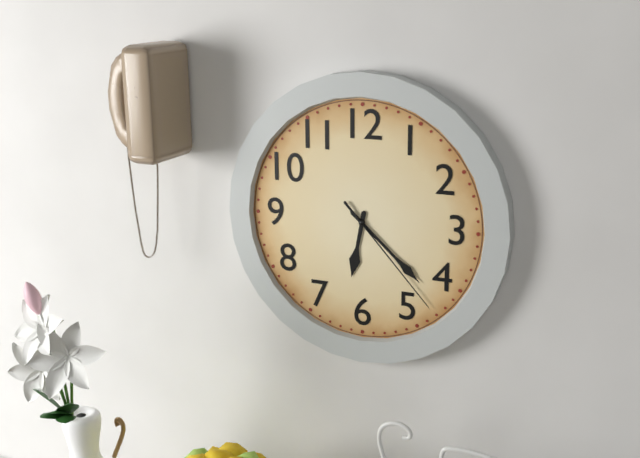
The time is 6:22:23
